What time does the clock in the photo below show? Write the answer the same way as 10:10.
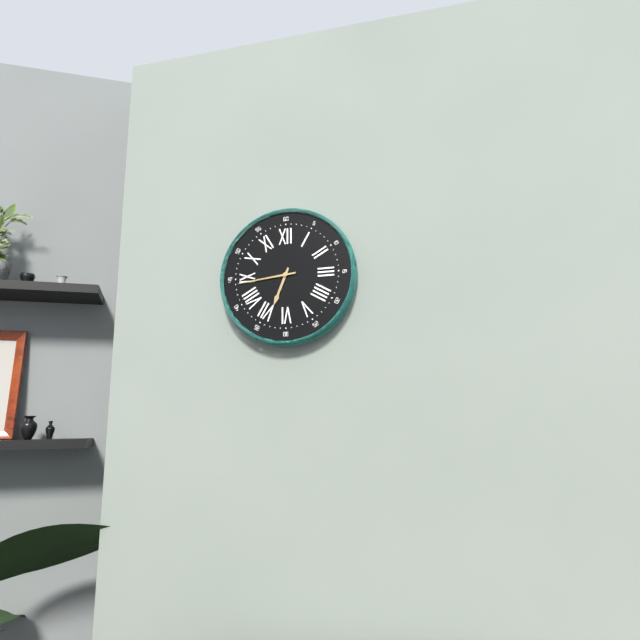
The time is 6:44
